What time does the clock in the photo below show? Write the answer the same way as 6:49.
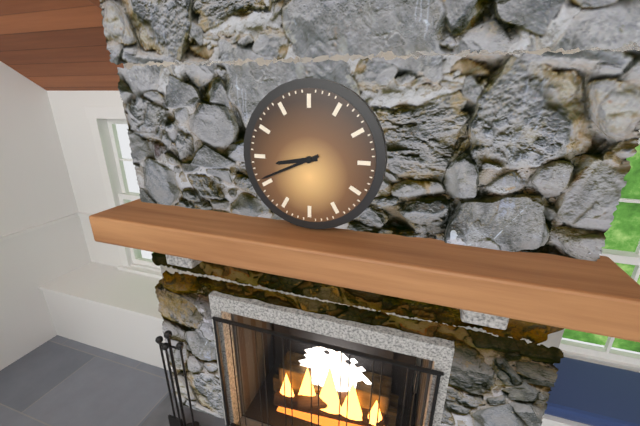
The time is 8:41
